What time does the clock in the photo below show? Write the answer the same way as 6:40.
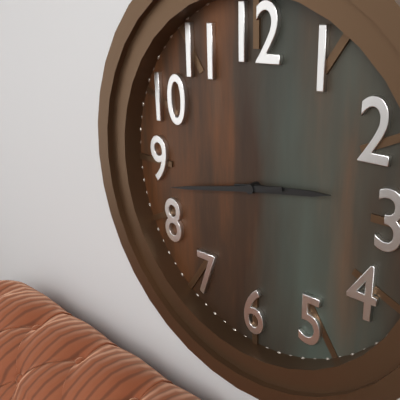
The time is 2:43
